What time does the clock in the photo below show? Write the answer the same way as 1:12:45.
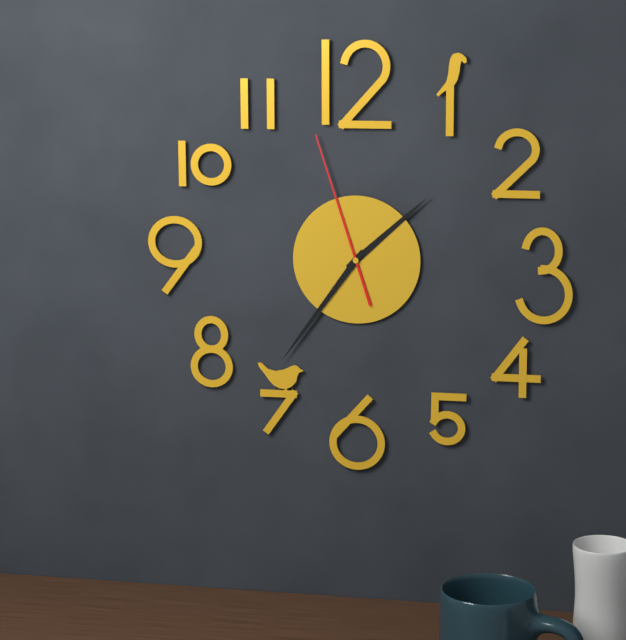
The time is 1:36:57
